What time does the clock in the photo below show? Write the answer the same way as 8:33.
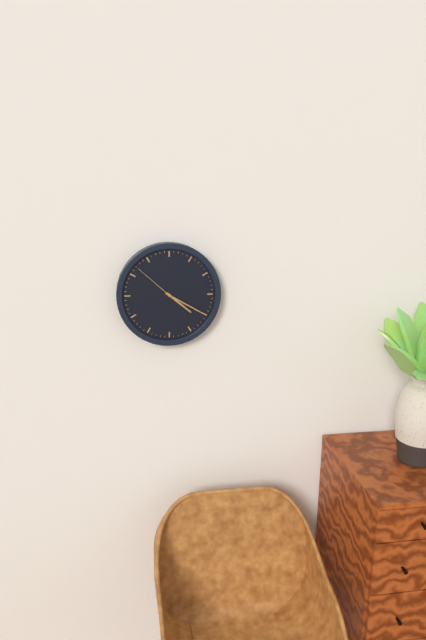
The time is 4:20
